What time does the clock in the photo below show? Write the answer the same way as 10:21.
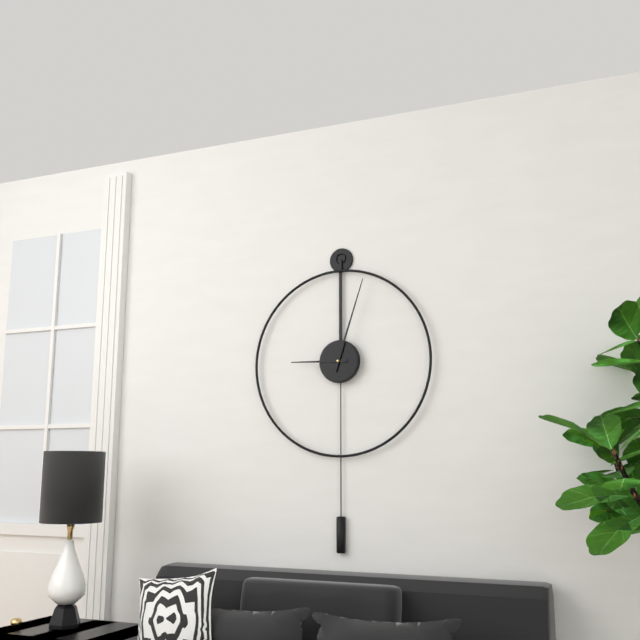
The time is 9:03
